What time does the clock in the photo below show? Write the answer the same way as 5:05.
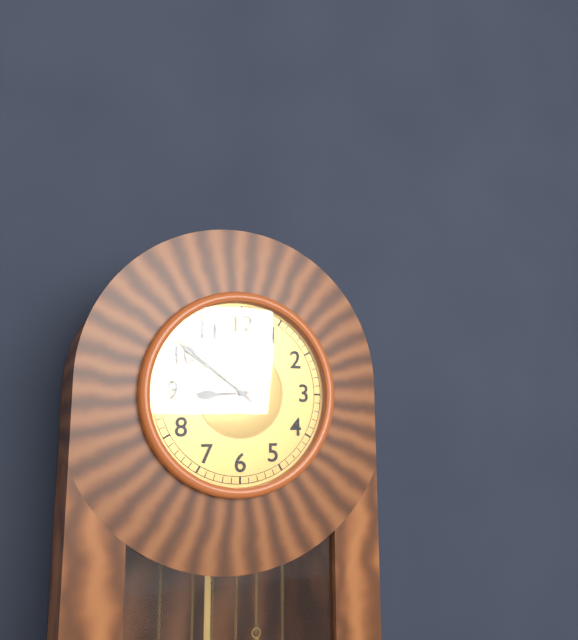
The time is 8:51
